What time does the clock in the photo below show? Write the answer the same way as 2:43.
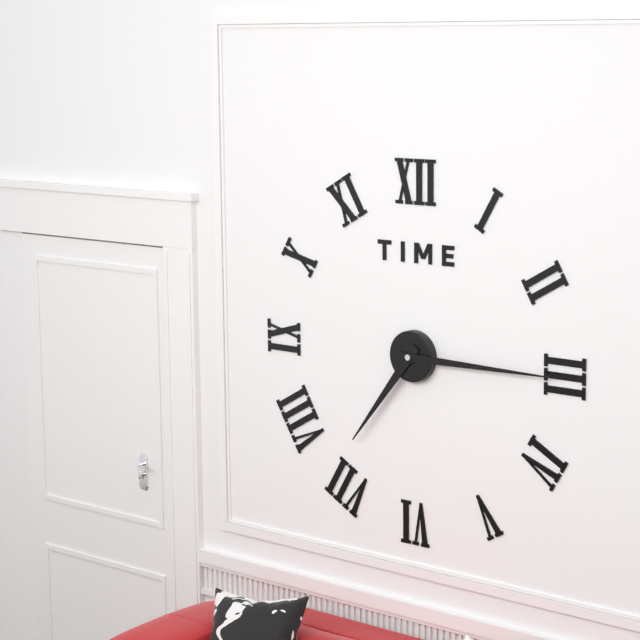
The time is 7:15
